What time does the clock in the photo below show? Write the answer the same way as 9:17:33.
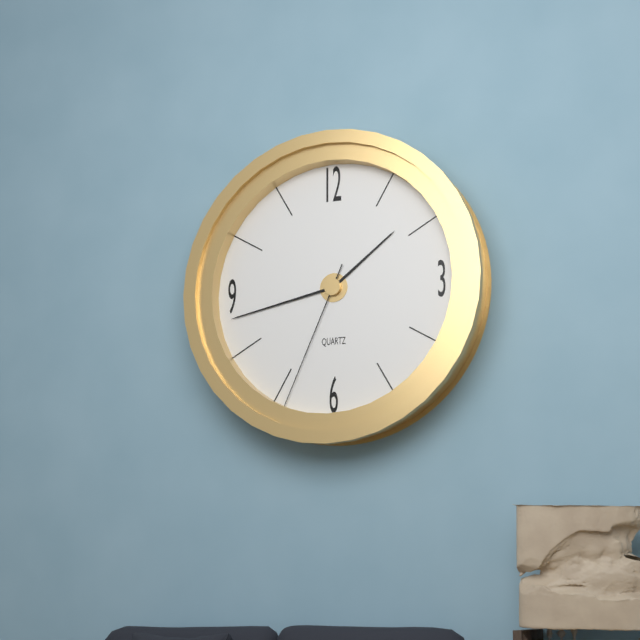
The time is 1:43:34
